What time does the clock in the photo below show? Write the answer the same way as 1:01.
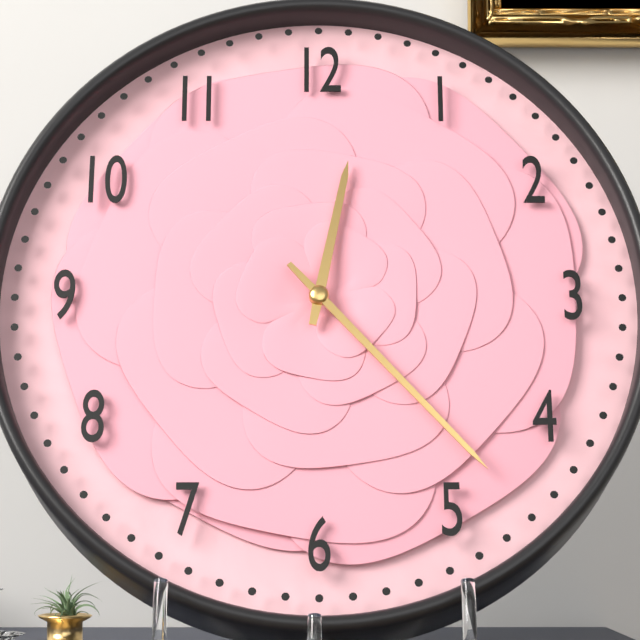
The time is 12:23
